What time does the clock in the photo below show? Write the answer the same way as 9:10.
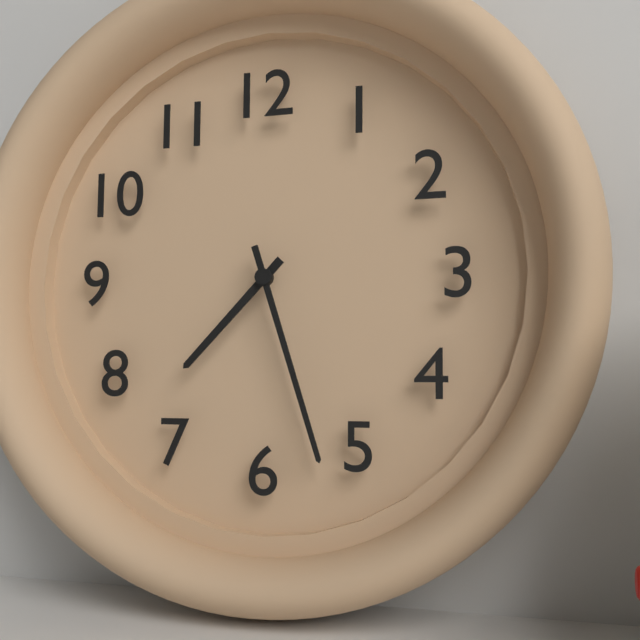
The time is 7:27
